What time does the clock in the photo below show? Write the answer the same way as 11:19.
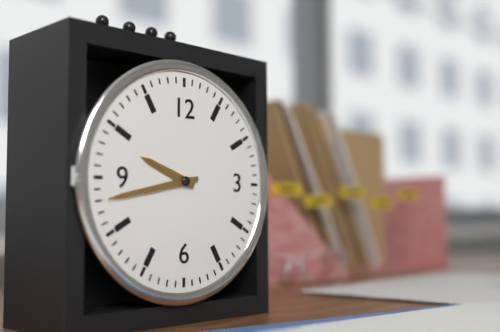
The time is 9:43
